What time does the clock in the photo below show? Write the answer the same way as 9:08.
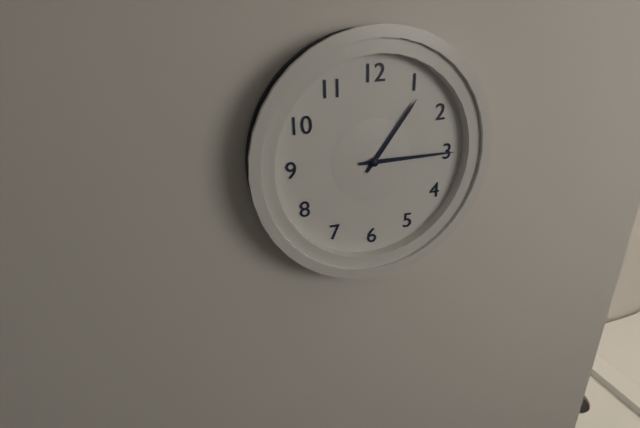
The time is 1:15
